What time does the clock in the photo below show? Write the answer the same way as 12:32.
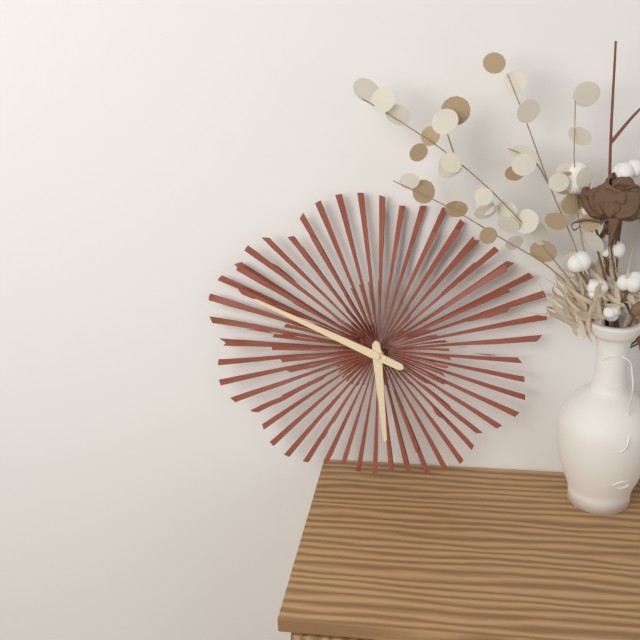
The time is 5:49
